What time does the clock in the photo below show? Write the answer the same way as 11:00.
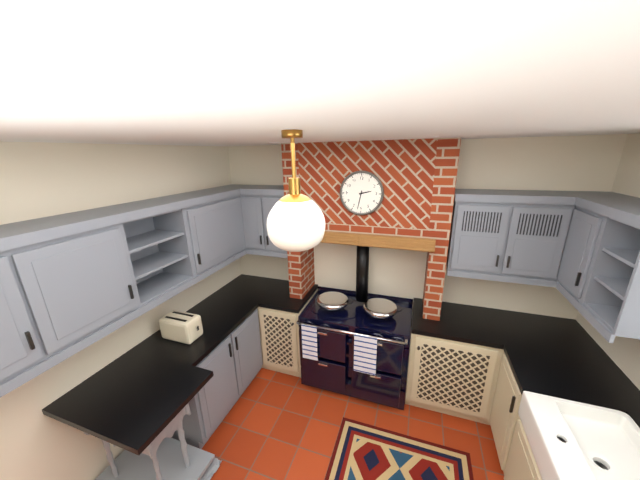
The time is 2:32
